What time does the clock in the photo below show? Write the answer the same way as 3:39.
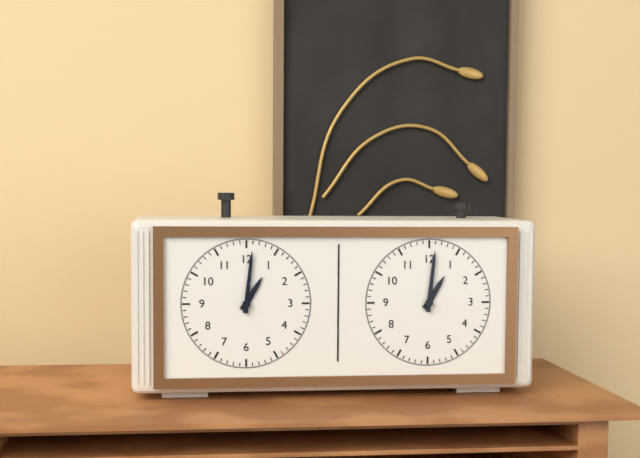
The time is 1:01
